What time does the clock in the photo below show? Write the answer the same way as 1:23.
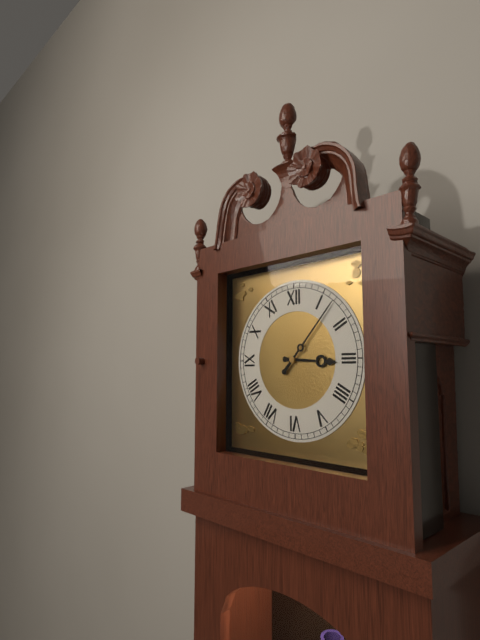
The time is 3:07
